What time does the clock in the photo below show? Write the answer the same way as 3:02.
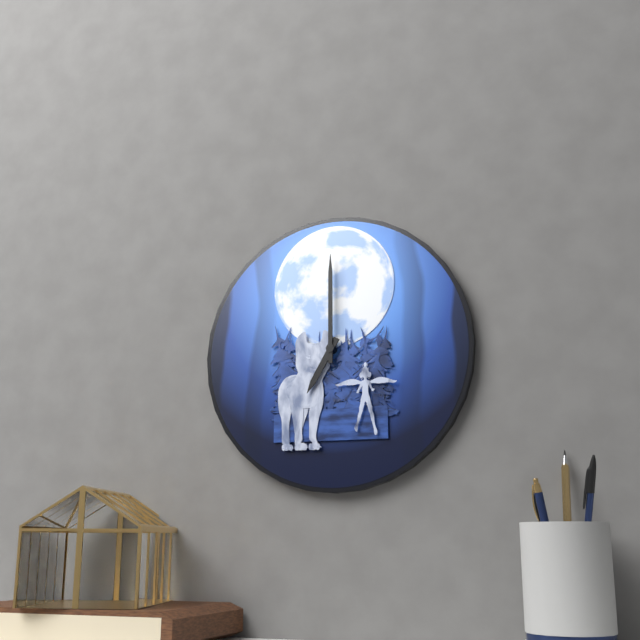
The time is 7:00
